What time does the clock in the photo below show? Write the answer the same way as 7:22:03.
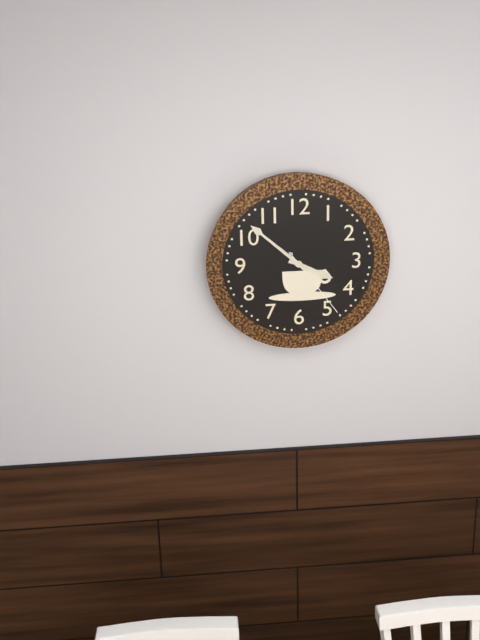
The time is 3:52:24
